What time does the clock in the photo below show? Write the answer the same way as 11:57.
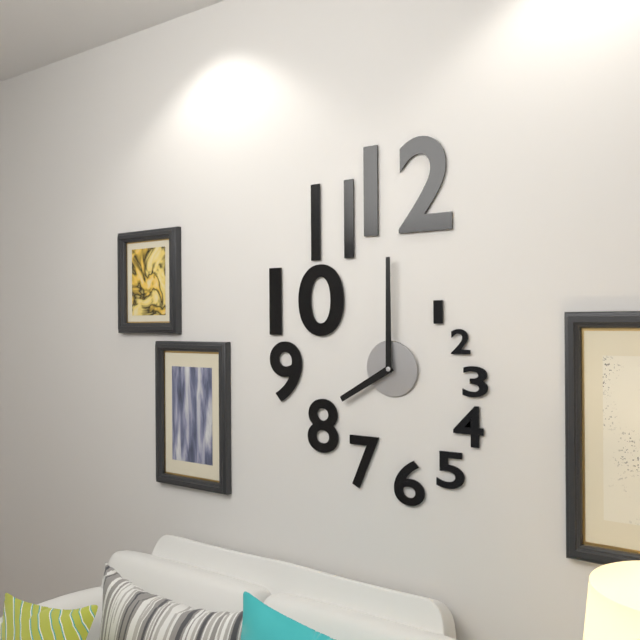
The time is 8:00
